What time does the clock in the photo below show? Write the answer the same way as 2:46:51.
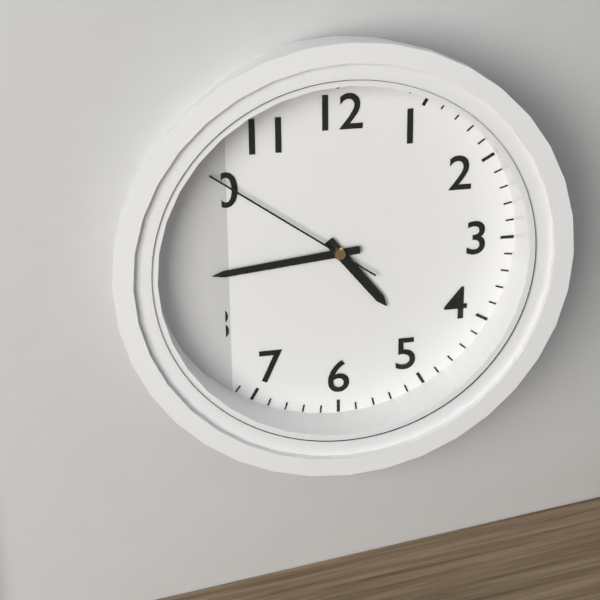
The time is 4:44:51
